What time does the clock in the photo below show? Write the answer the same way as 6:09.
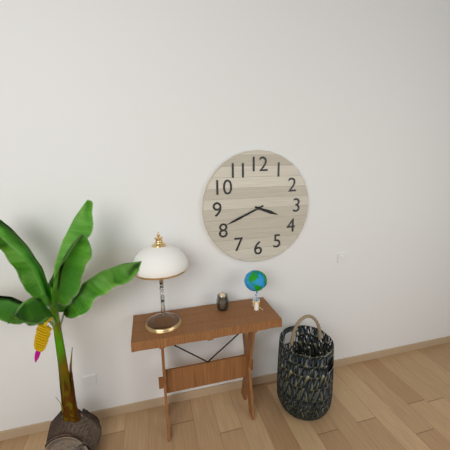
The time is 3:41
